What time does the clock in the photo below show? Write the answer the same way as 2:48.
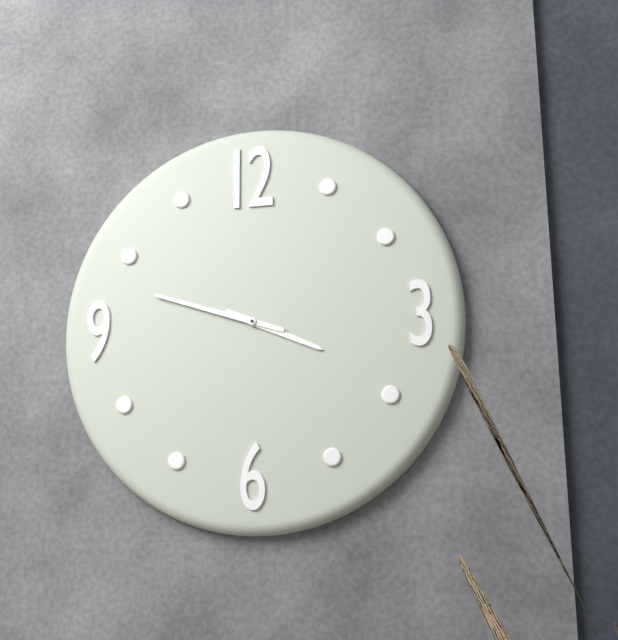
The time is 3:48
